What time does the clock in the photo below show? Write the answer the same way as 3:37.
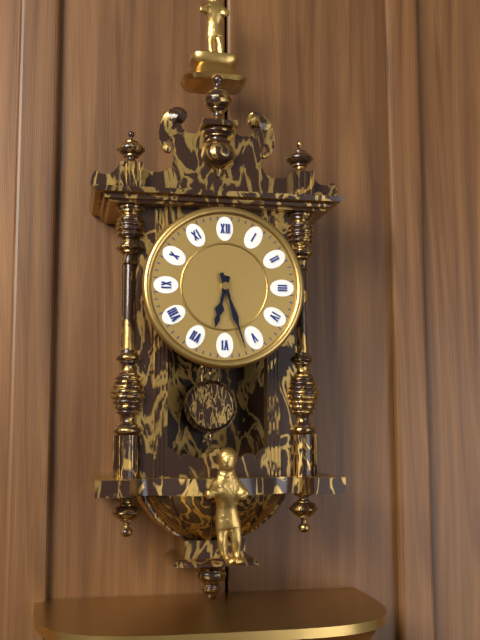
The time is 6:27
